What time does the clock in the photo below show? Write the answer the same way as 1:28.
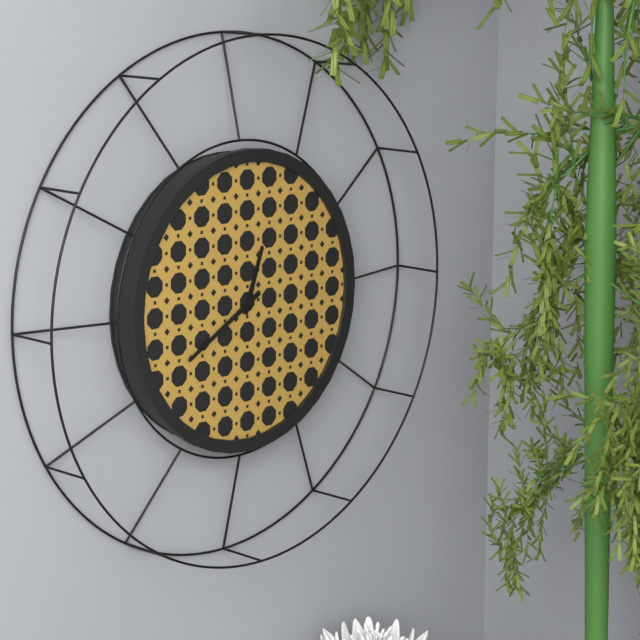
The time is 12:40
